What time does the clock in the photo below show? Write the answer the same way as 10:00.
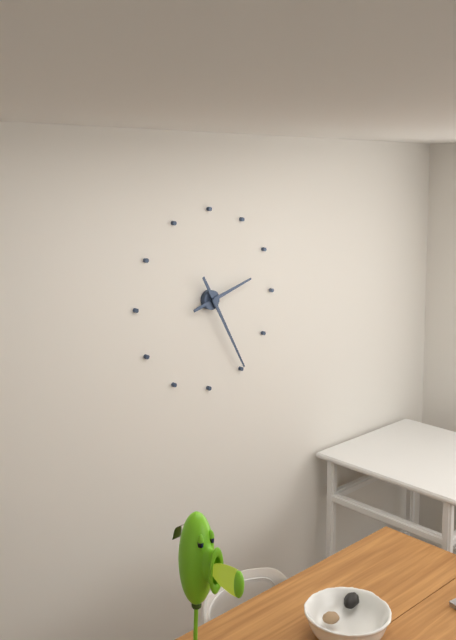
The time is 2:25
